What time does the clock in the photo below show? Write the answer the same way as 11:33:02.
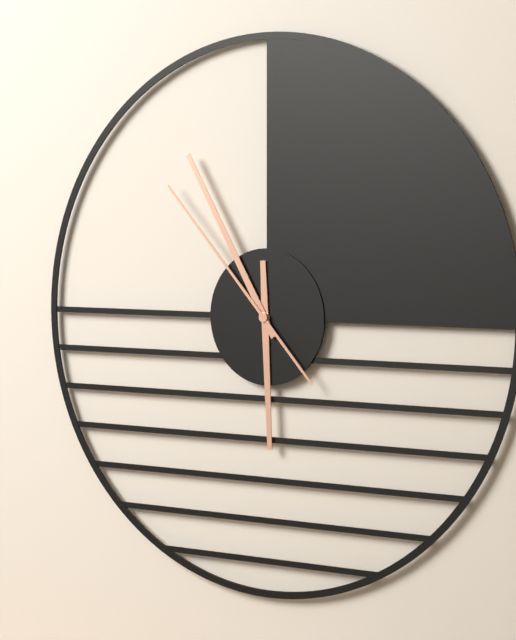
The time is 5:55:53
